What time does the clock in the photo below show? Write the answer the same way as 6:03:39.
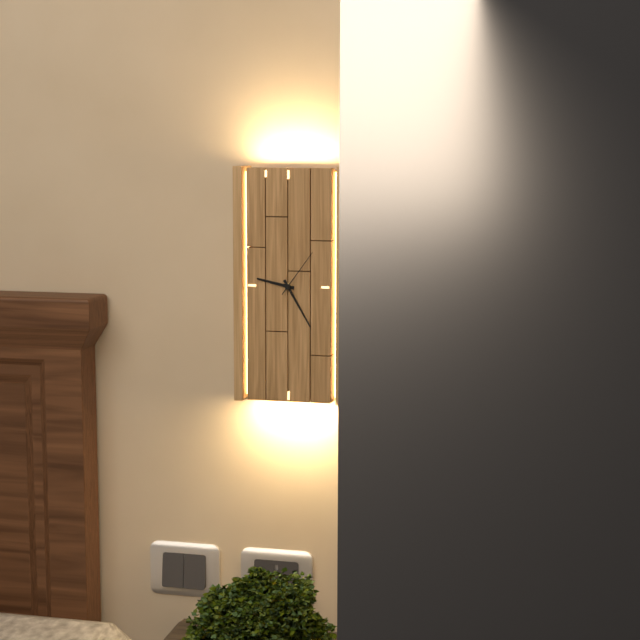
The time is 9:25:06
